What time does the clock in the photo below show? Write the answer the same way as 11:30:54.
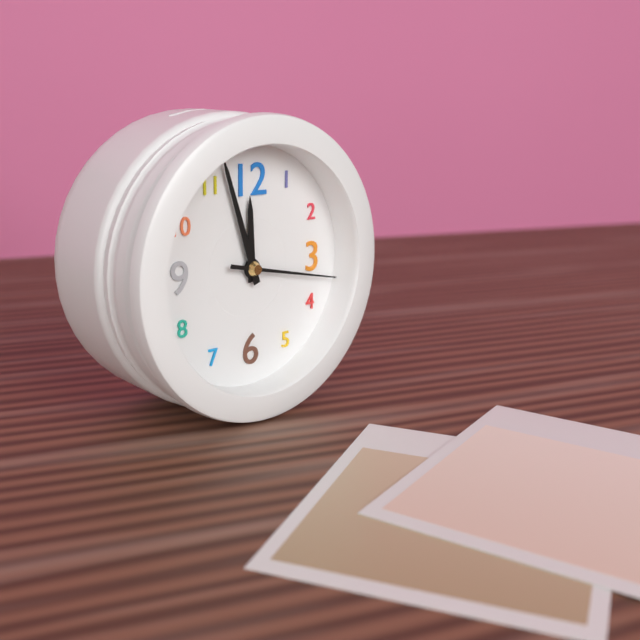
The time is 11:57:17
